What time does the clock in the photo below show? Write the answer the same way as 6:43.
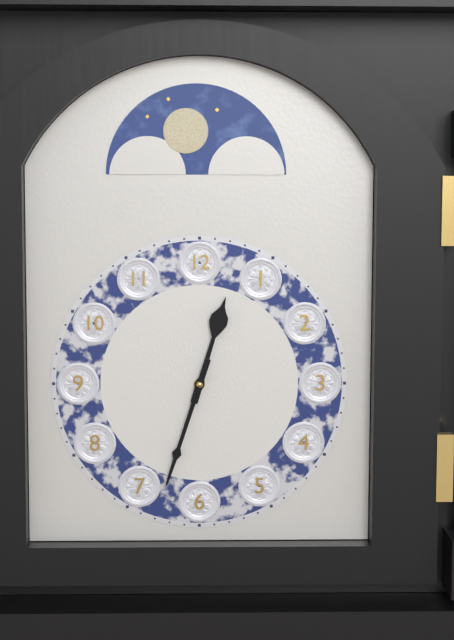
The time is 12:33
